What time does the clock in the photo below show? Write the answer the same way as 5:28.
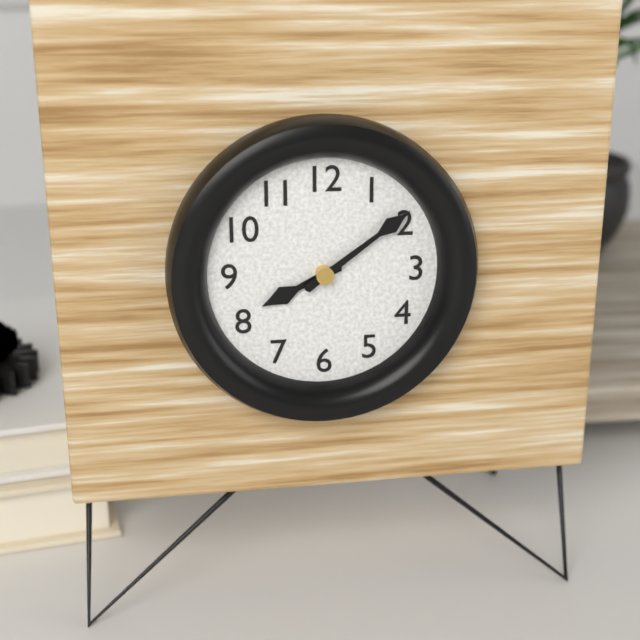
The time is 8:09
